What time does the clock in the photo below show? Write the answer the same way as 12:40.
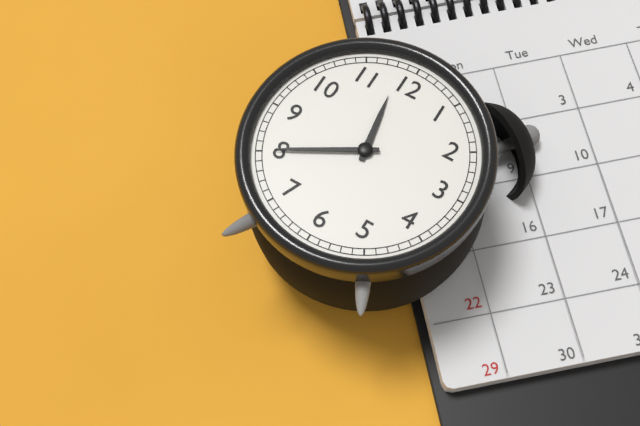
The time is 11:40
